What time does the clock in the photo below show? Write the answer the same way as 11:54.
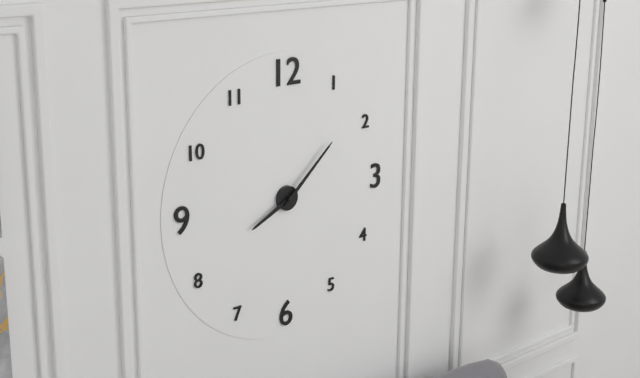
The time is 8:08
